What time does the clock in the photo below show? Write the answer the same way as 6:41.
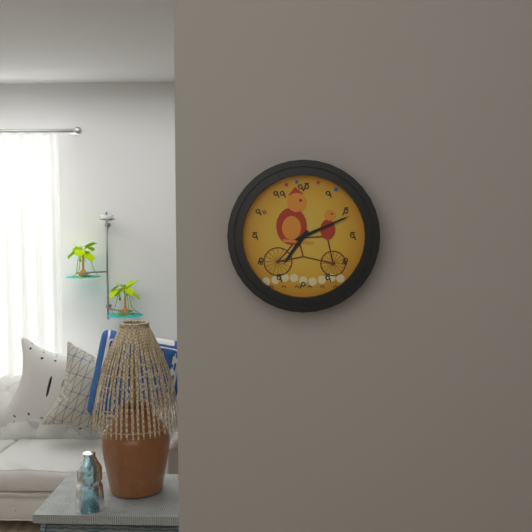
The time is 7:11
